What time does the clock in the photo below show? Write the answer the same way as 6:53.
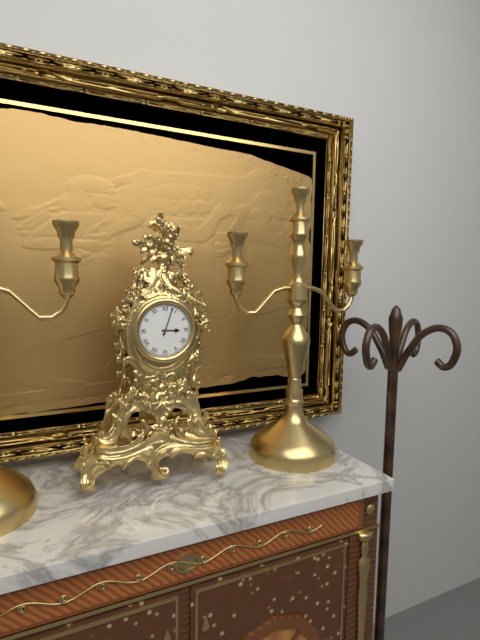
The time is 3:03
